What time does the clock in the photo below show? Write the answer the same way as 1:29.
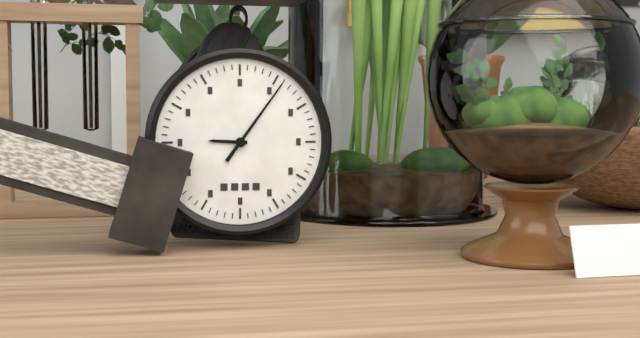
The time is 9:06
